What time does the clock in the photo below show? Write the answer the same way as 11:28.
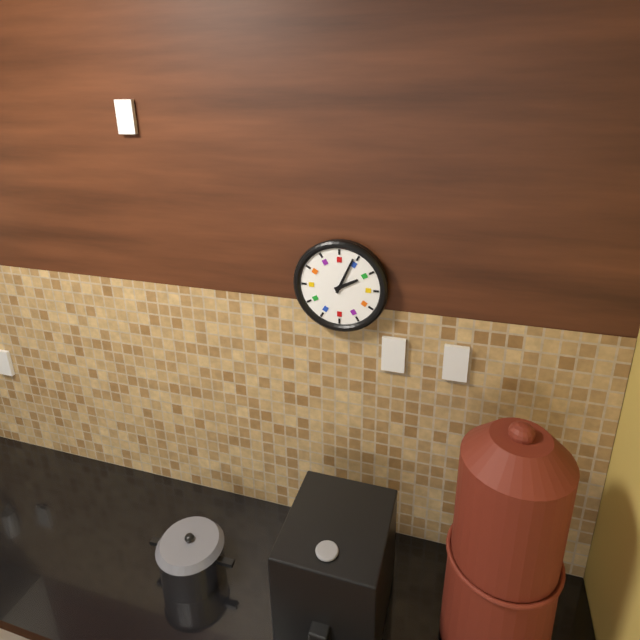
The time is 2:04
